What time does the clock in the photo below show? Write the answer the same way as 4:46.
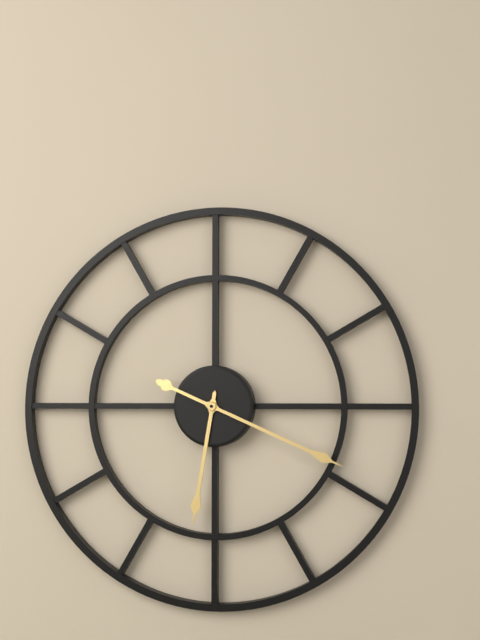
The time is 6:19
